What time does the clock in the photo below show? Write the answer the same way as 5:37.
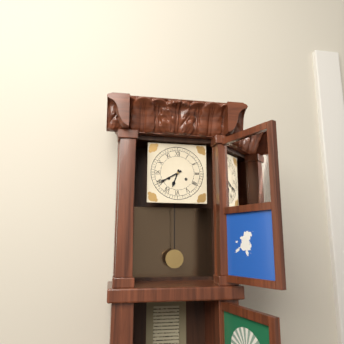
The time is 6:40
